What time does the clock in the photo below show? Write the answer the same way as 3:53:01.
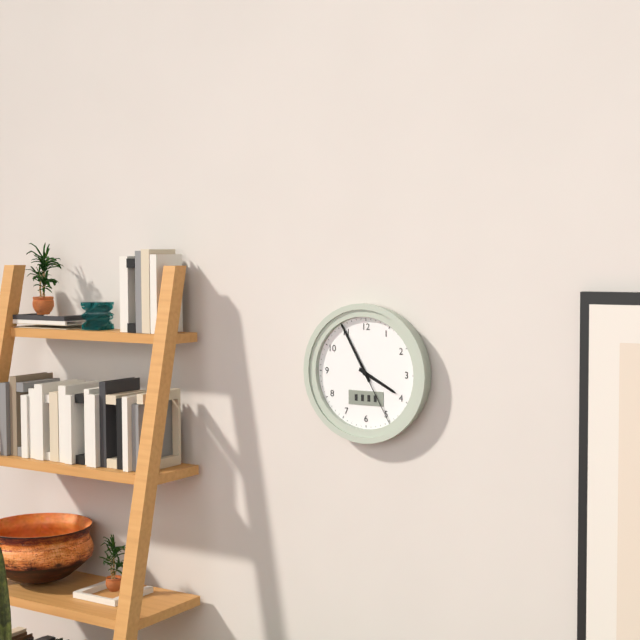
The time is 3:55:25
